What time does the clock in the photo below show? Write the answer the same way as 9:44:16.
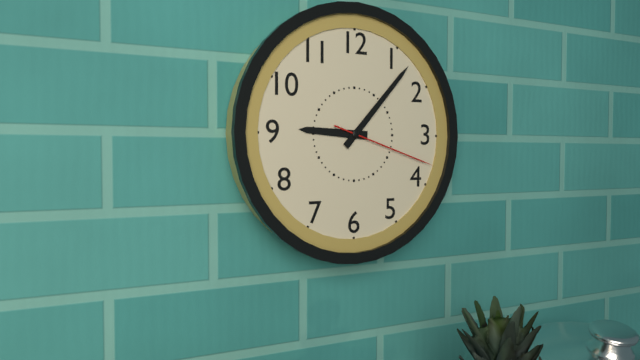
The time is 9:07:18
